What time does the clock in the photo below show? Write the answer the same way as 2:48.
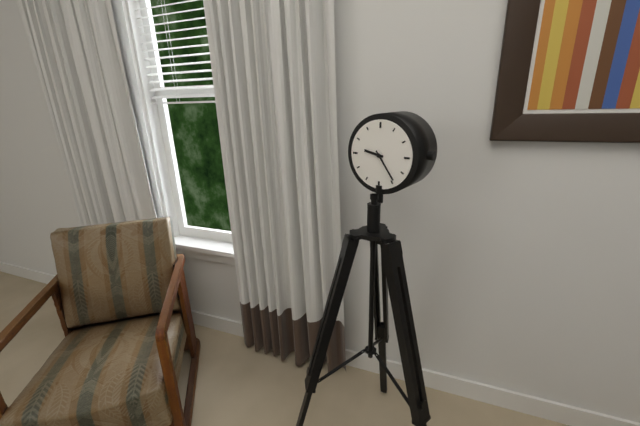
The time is 9:24
